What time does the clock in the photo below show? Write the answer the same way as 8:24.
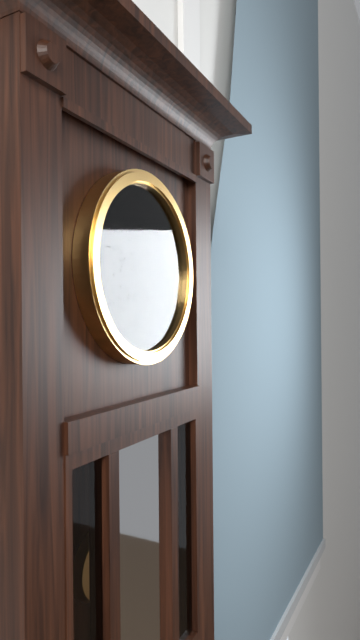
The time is 6:55
